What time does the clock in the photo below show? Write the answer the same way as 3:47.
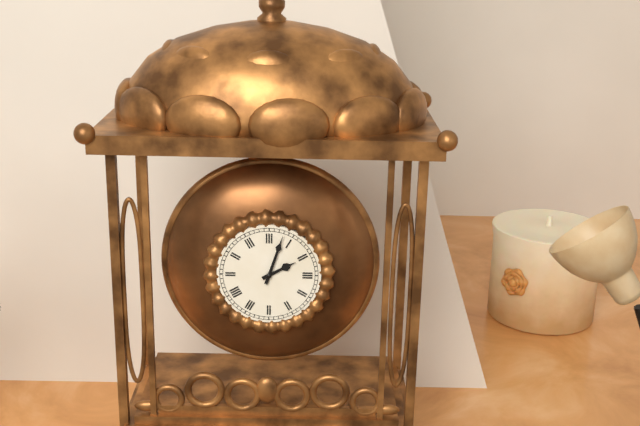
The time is 2:03
